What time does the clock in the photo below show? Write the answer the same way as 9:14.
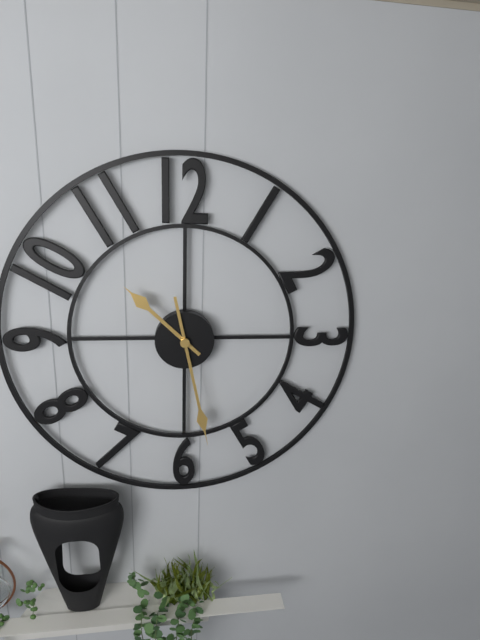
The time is 10:28
